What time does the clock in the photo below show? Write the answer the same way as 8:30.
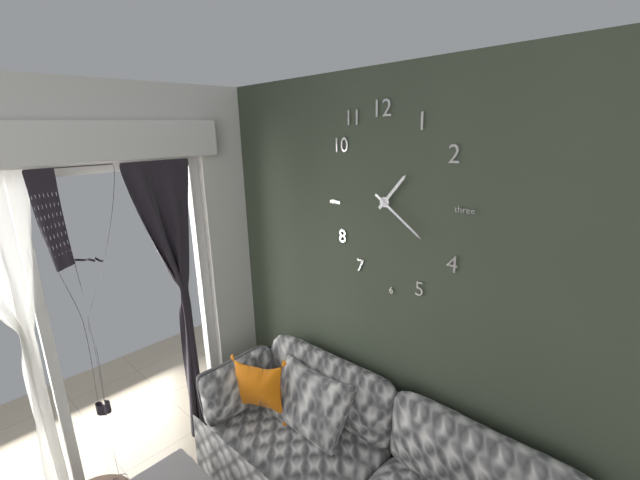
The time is 1:21
